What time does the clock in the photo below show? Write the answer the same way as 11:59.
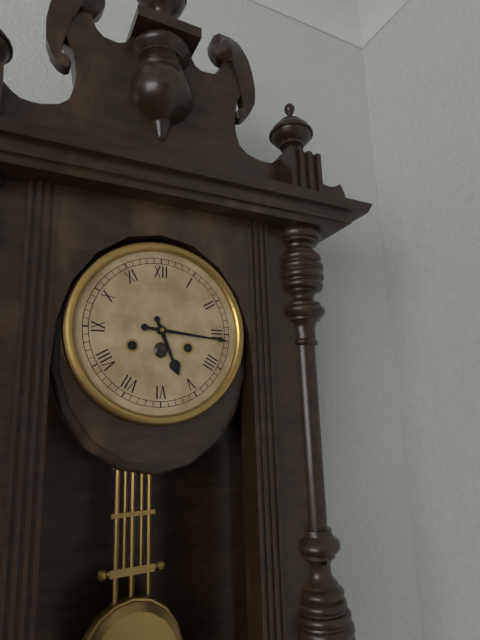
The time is 5:16
